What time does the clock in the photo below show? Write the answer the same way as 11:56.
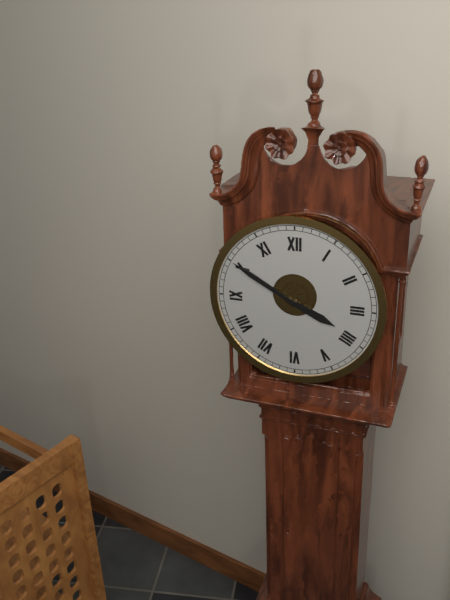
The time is 3:50
